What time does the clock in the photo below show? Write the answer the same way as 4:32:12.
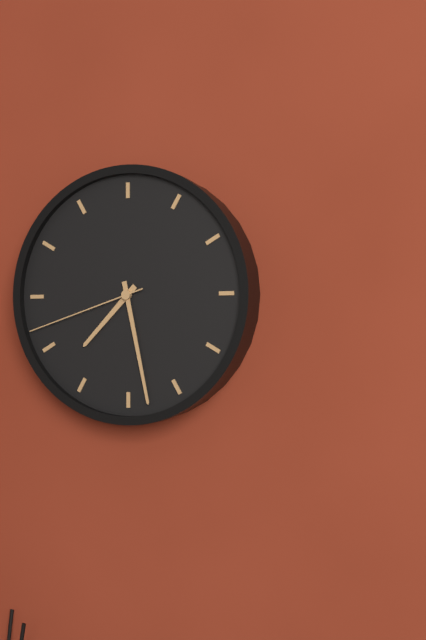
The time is 7:28:42
